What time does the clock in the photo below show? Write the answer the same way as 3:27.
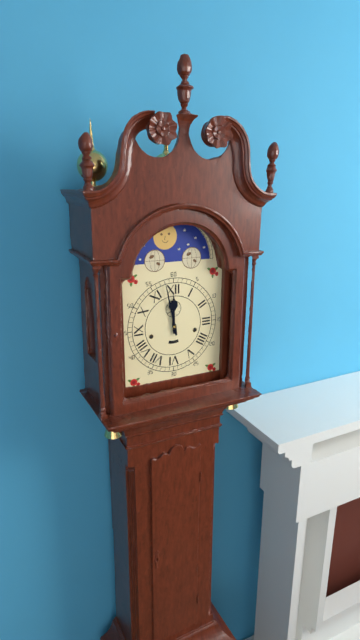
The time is 11:58
